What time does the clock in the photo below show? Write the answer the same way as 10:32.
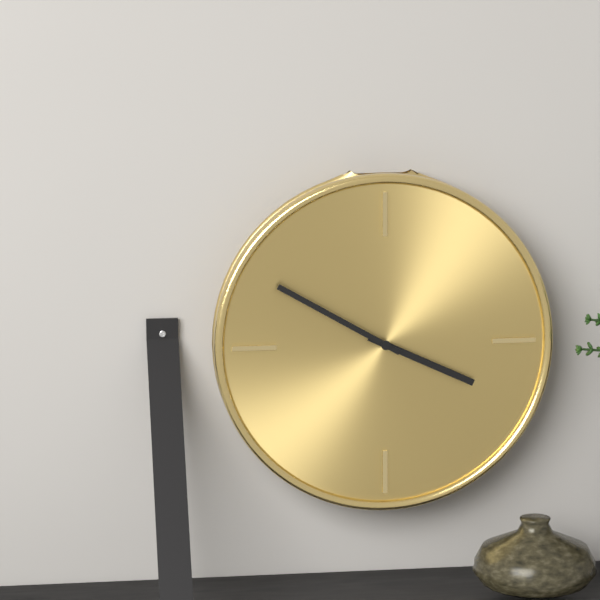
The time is 3:50
